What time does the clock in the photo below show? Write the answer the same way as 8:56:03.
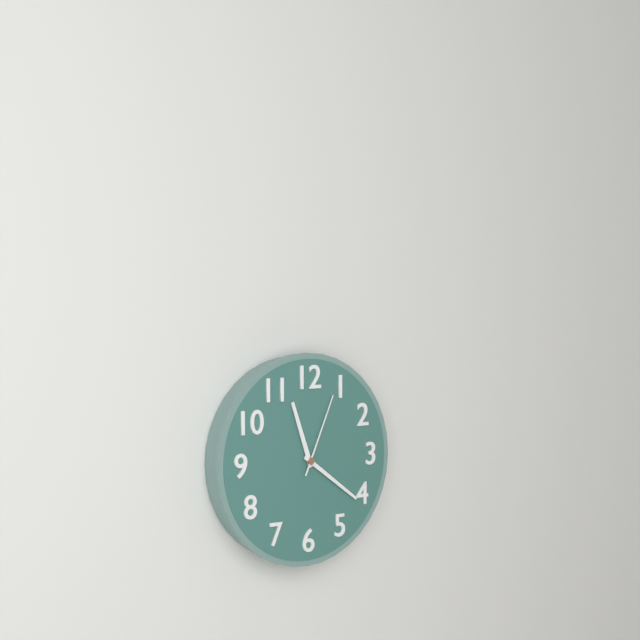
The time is 11:21:04
